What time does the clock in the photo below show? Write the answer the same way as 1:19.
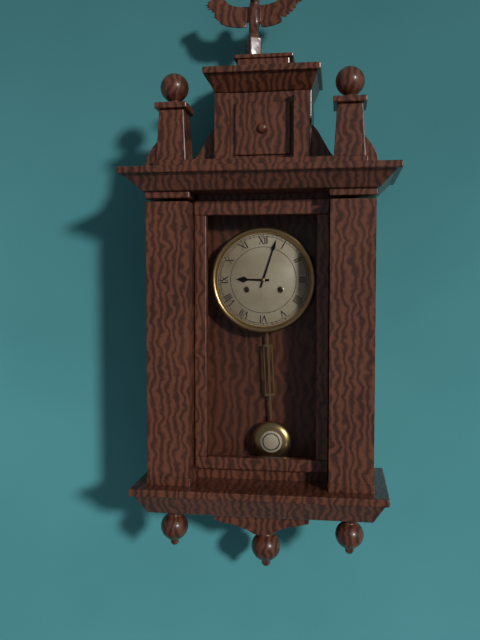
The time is 9:03
